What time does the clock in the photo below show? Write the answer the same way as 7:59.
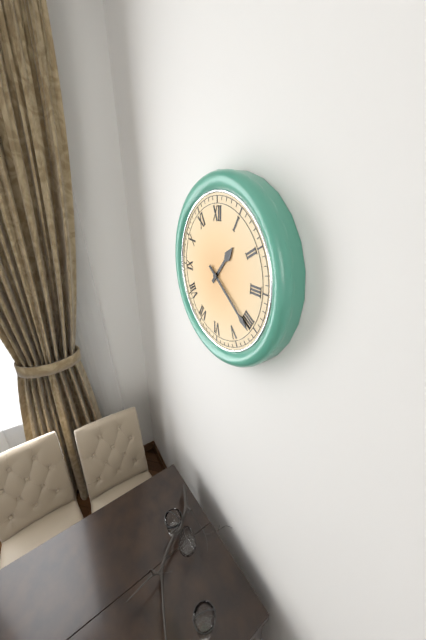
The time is 1:21
